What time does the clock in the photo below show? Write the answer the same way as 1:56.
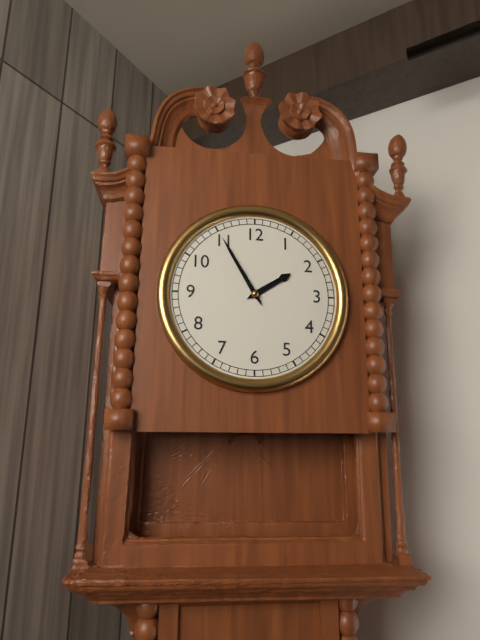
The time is 1:55
